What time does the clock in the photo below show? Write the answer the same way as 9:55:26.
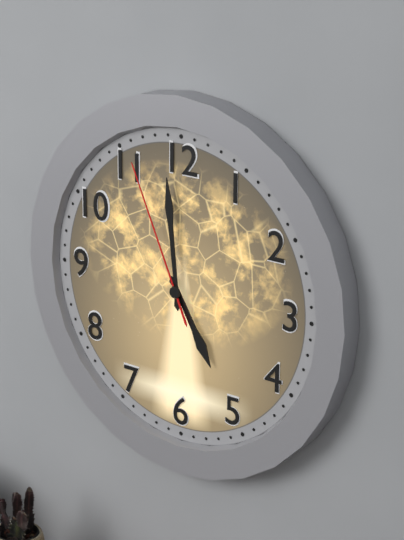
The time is 4:59:56
